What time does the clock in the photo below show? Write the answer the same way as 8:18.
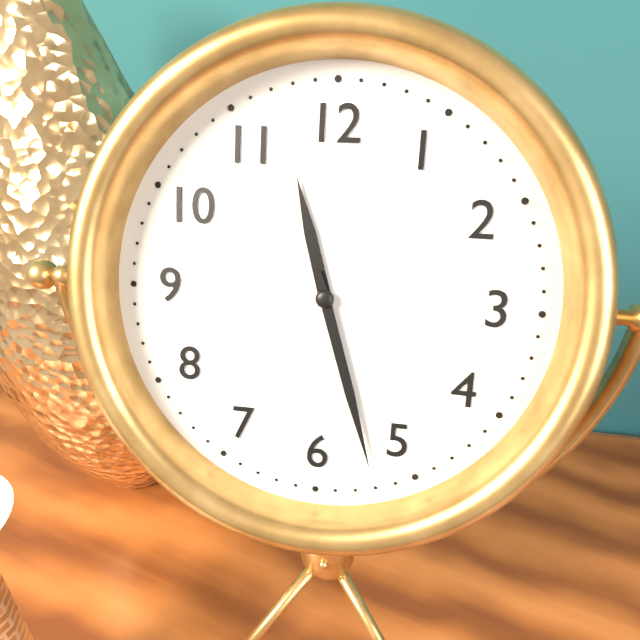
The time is 11:27
